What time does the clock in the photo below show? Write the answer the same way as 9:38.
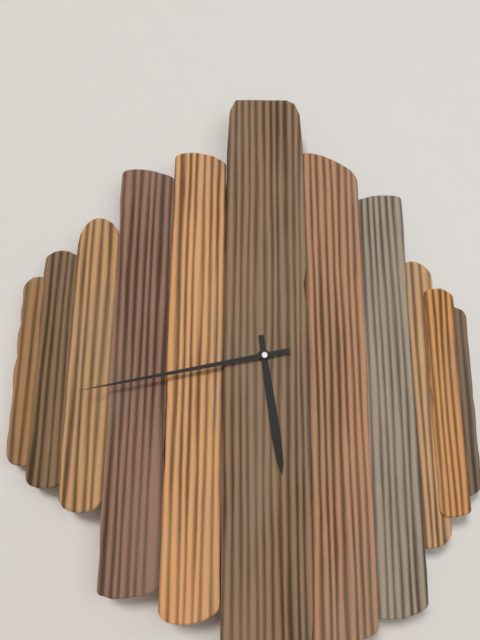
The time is 5:43
